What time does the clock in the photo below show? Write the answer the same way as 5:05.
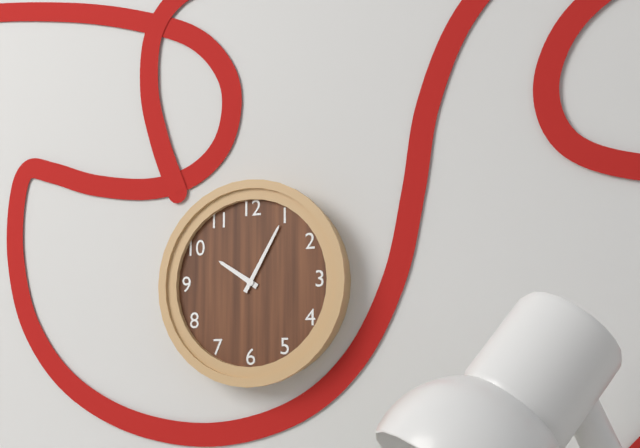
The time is 10:05
